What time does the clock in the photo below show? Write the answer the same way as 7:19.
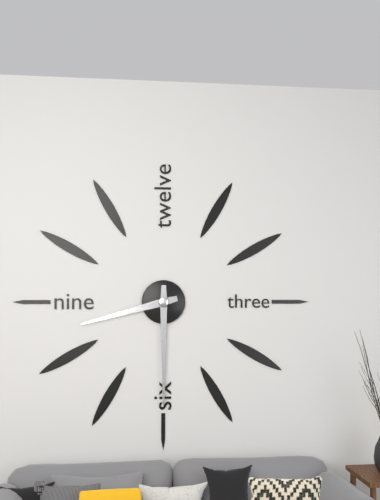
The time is 8:30
